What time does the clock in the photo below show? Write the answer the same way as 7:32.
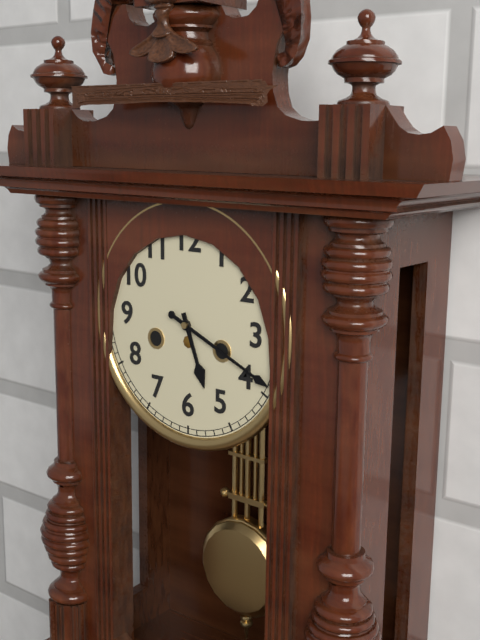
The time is 5:19
